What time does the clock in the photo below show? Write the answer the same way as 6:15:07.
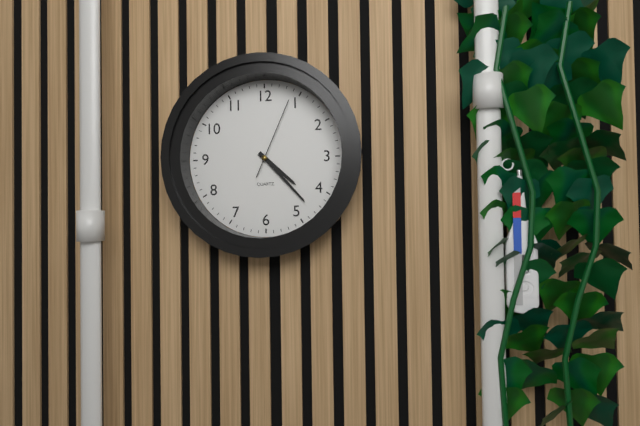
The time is 4:23:04
